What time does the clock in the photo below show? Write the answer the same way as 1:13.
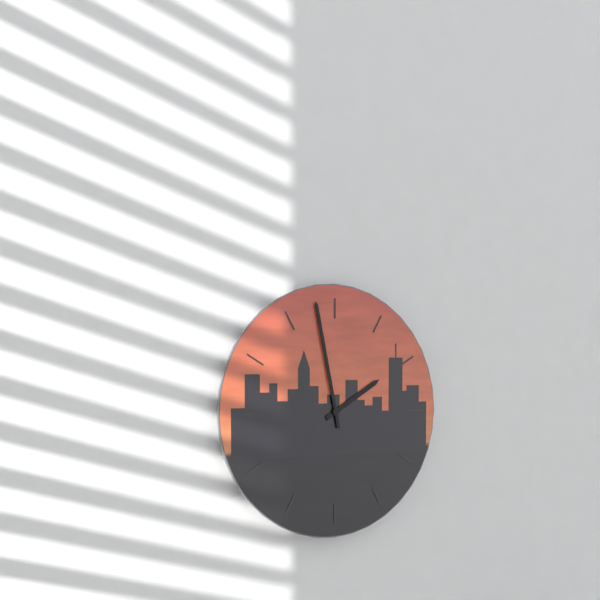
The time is 1:58
